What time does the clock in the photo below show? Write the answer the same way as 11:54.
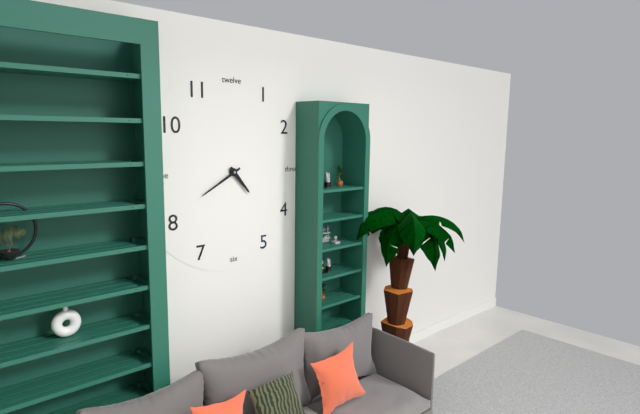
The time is 4:40
